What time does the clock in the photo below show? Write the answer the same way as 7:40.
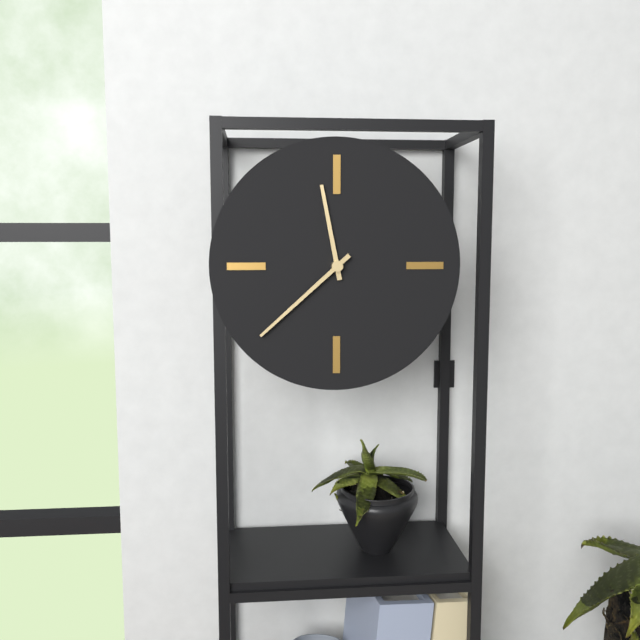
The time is 11:38
